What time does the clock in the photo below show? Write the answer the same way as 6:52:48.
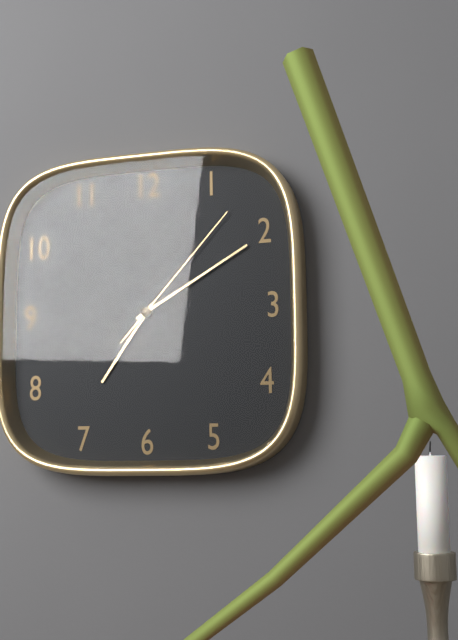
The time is 7:10:07
